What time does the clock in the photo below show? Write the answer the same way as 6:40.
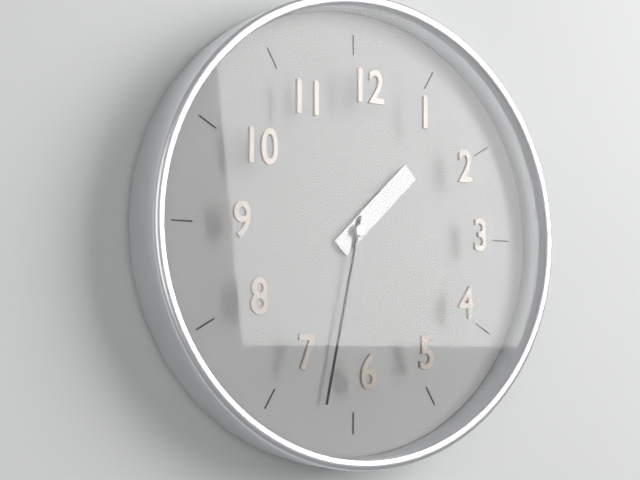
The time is 1:32
